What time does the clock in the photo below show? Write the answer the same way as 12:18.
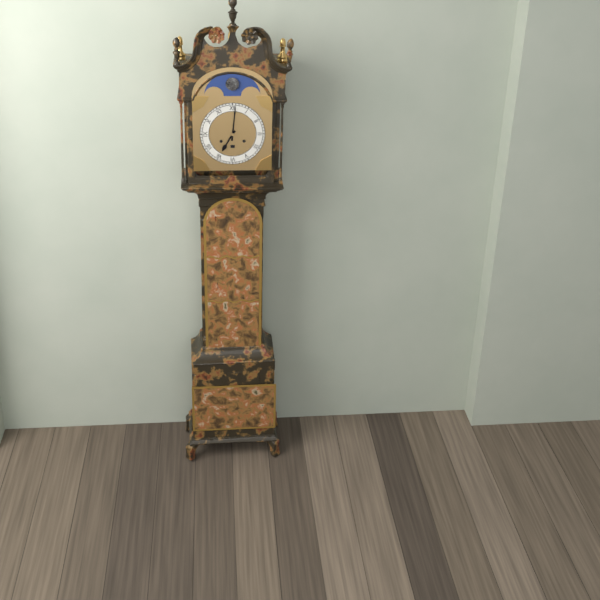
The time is 7:01
